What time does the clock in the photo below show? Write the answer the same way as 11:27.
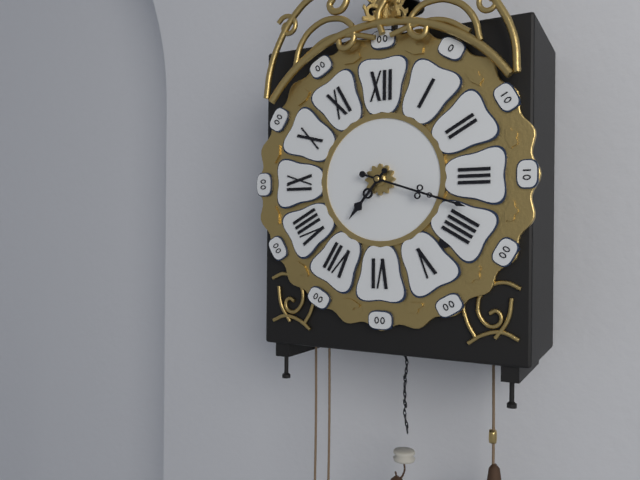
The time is 7:18
